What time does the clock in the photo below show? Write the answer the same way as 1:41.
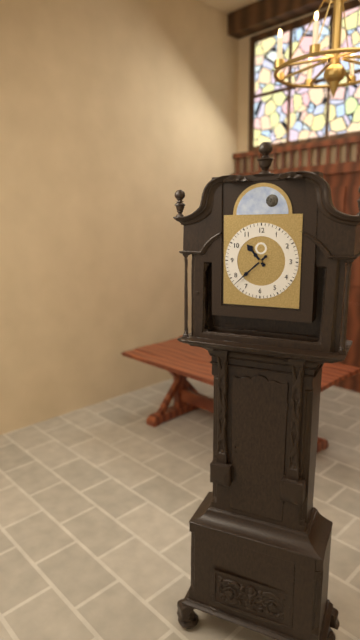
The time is 10:38
